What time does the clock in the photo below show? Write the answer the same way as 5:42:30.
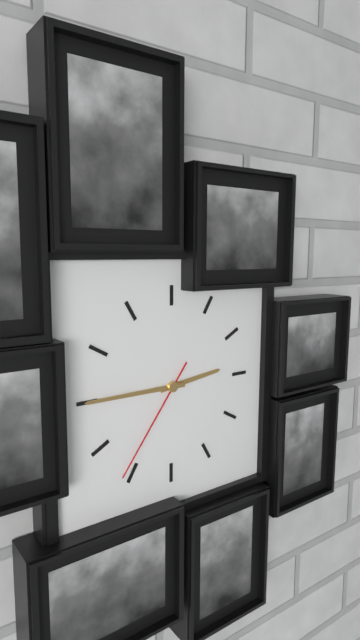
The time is 2:45:36
